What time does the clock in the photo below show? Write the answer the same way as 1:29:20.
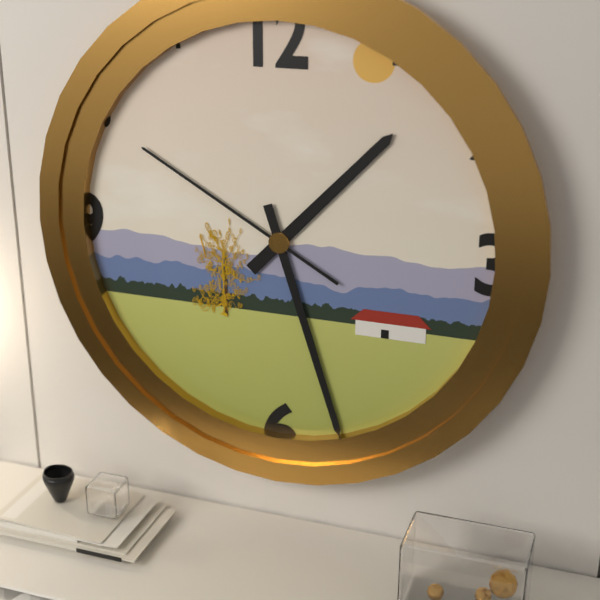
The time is 1:27:50
